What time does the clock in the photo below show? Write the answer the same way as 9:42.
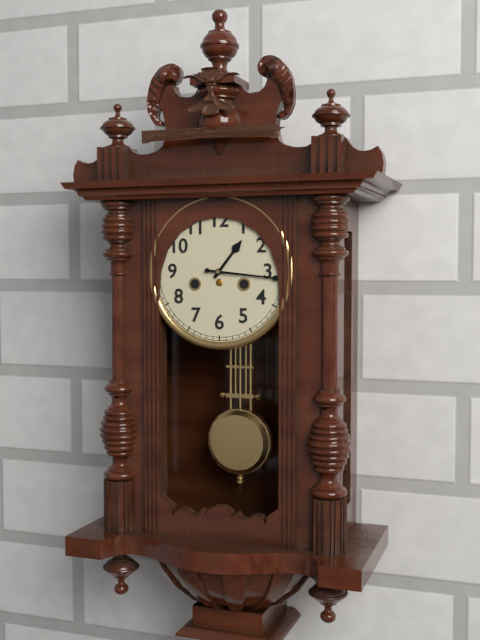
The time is 1:16
